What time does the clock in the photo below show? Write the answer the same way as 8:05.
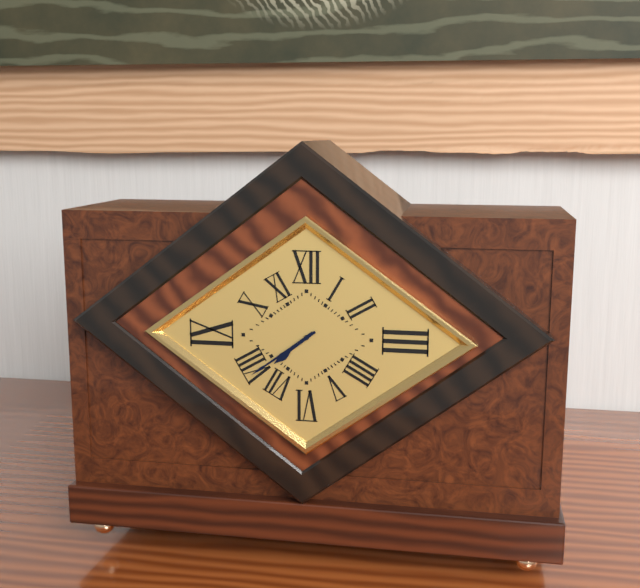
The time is 7:39
